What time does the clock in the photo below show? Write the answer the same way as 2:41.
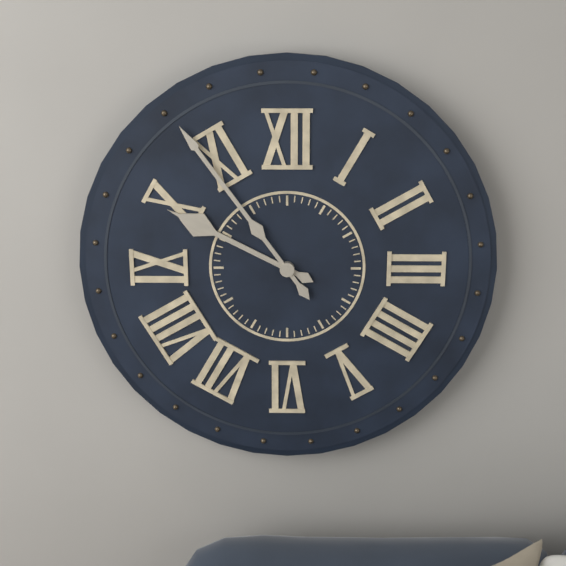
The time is 9:54
